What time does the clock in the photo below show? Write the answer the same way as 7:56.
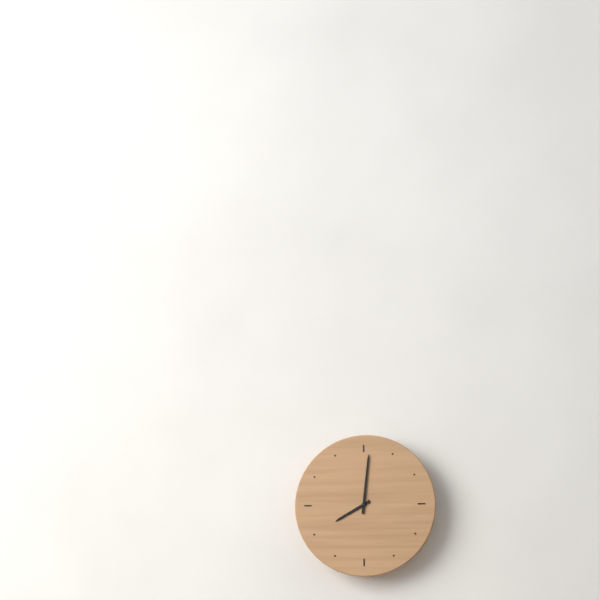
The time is 8:01
